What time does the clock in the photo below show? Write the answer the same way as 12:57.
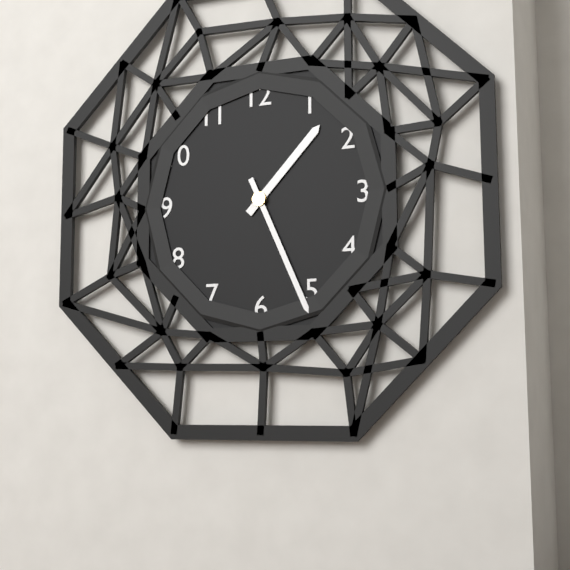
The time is 1:26
